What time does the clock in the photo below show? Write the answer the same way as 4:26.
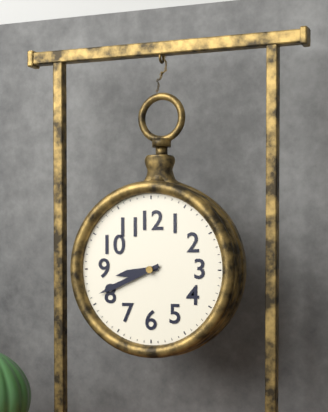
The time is 8:41
